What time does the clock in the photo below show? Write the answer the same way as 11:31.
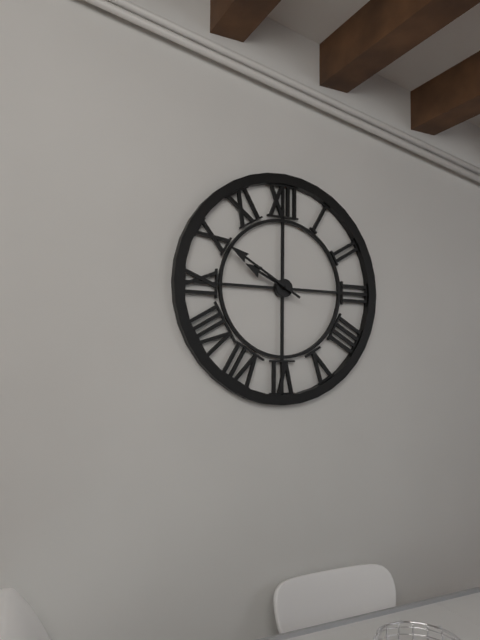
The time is 9:50
